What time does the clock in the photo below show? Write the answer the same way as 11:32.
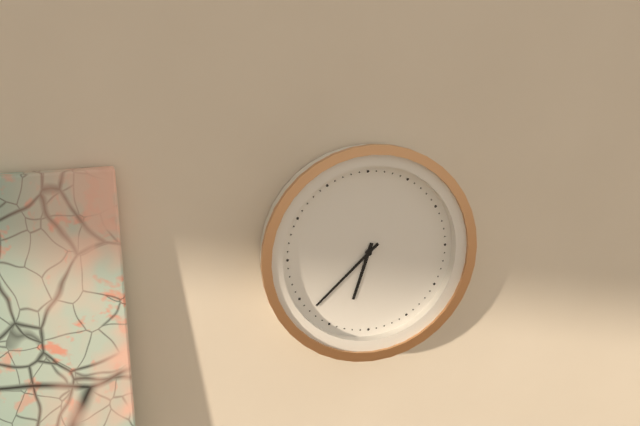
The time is 6:38
